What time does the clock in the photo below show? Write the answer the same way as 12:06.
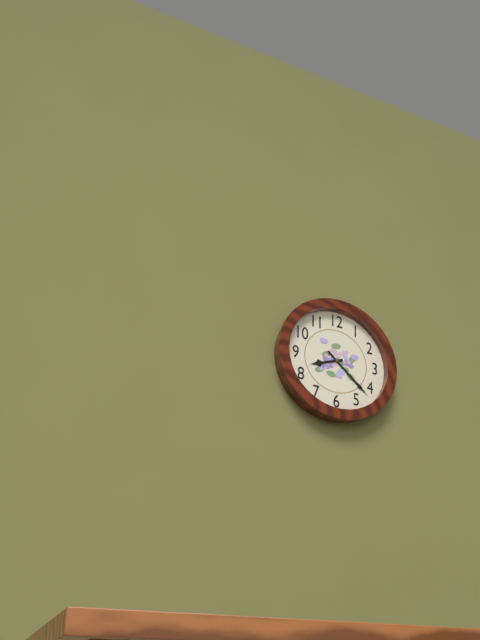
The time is 8:22
